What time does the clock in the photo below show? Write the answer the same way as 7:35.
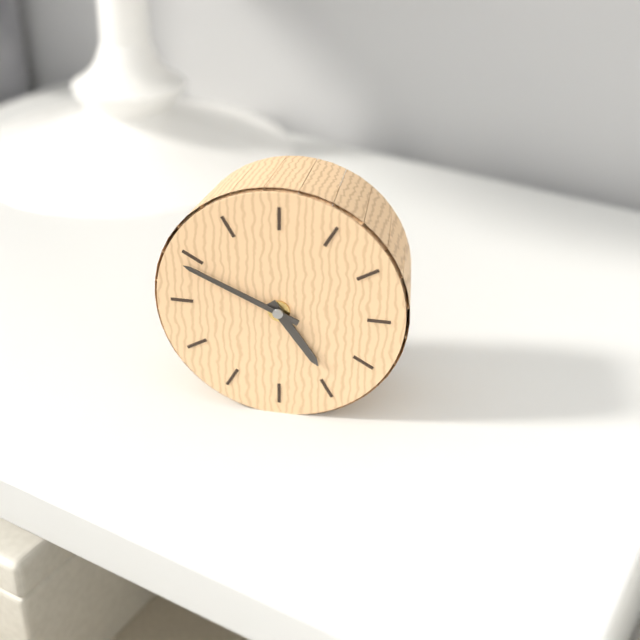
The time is 4:49
